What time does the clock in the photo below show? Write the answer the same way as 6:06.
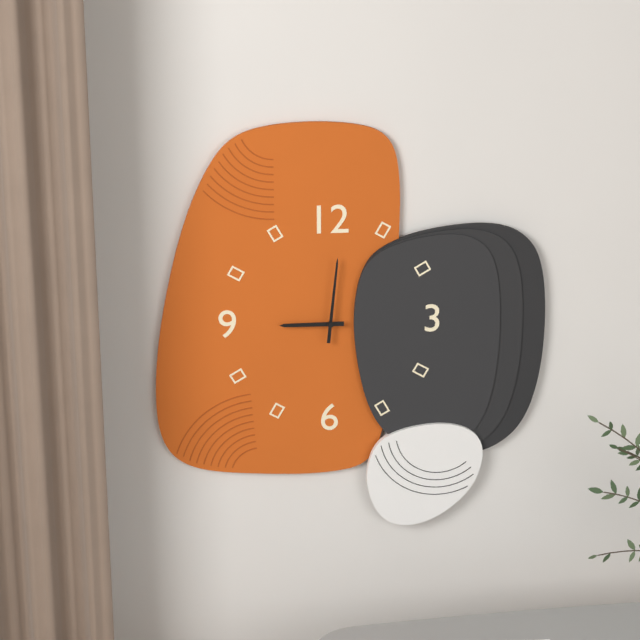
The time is 9:01
